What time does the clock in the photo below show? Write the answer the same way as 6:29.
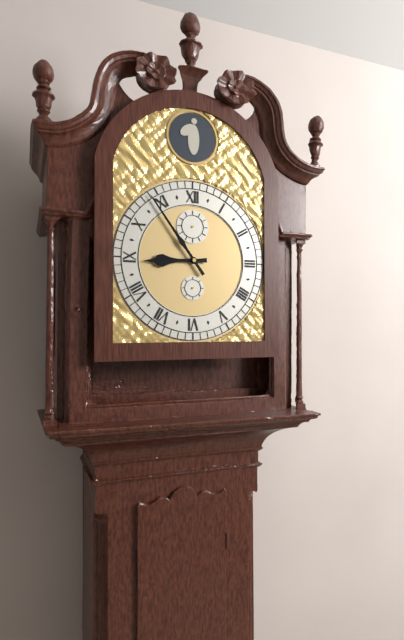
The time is 8:54
